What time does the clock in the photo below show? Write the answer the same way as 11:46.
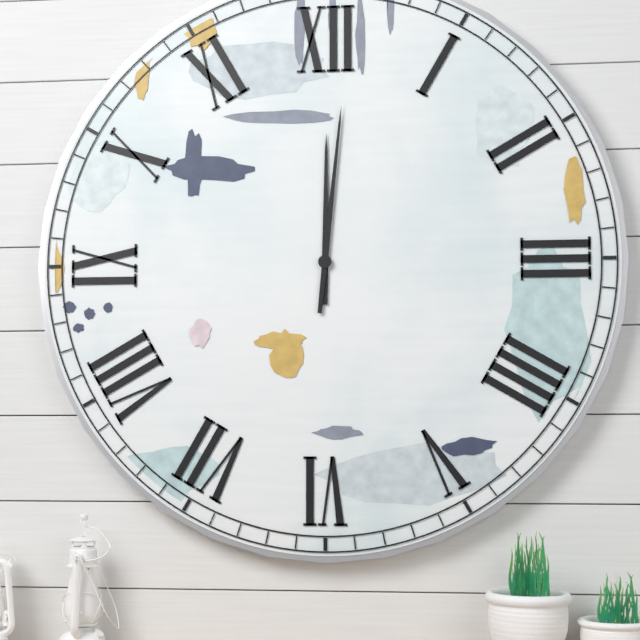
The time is 12:01
